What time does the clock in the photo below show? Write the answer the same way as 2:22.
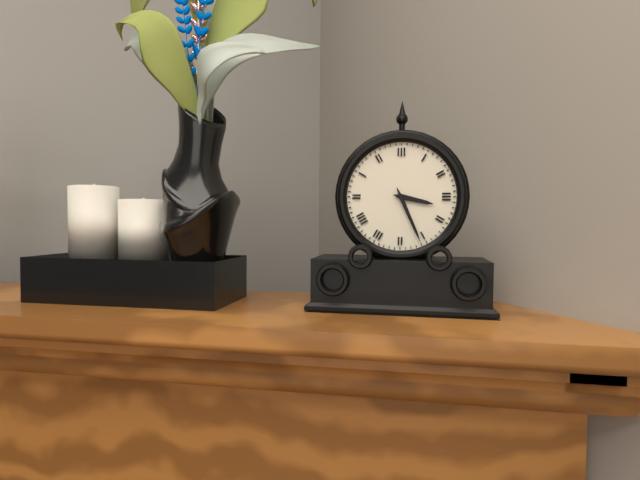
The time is 3:26
